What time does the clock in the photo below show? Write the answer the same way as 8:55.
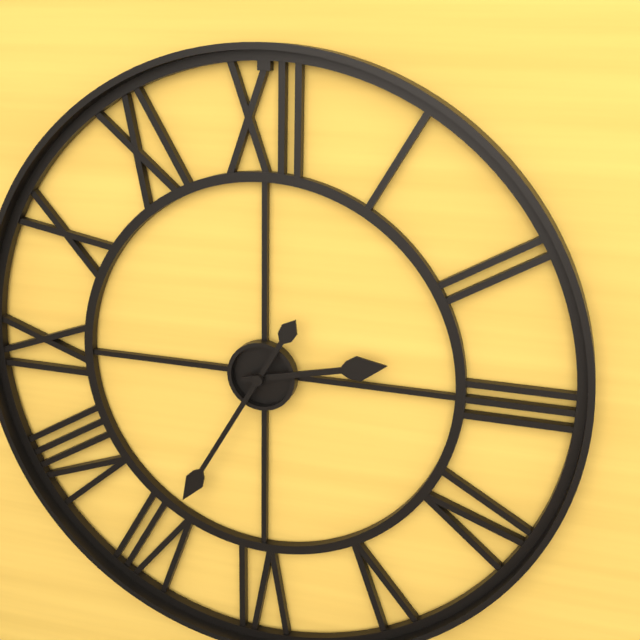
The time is 2:35
